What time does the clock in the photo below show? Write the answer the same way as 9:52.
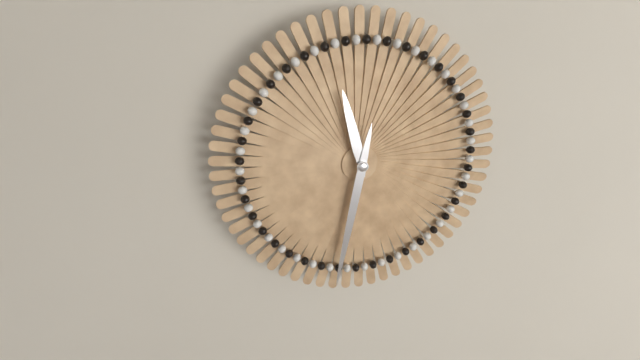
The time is 11:32
